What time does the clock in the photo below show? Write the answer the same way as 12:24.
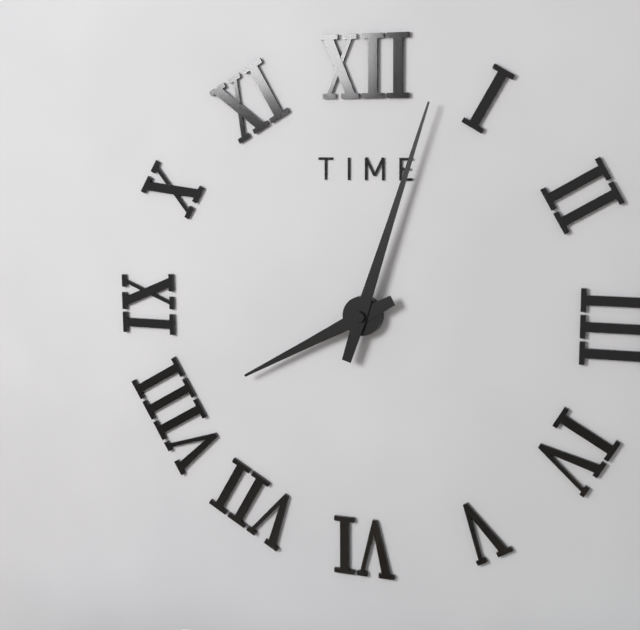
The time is 8:03
